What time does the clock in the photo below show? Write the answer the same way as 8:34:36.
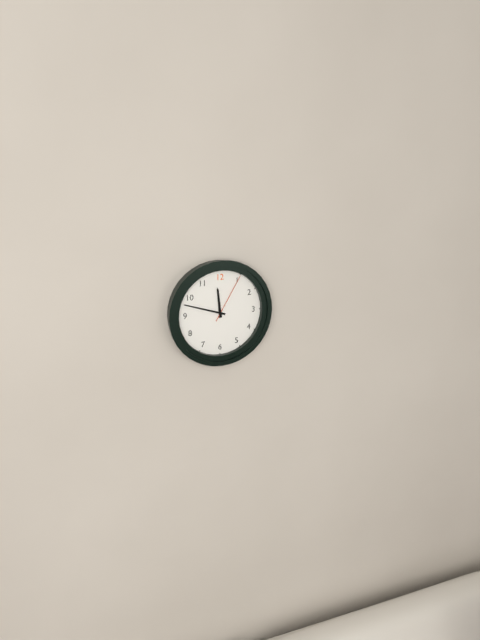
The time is 11:48:05
